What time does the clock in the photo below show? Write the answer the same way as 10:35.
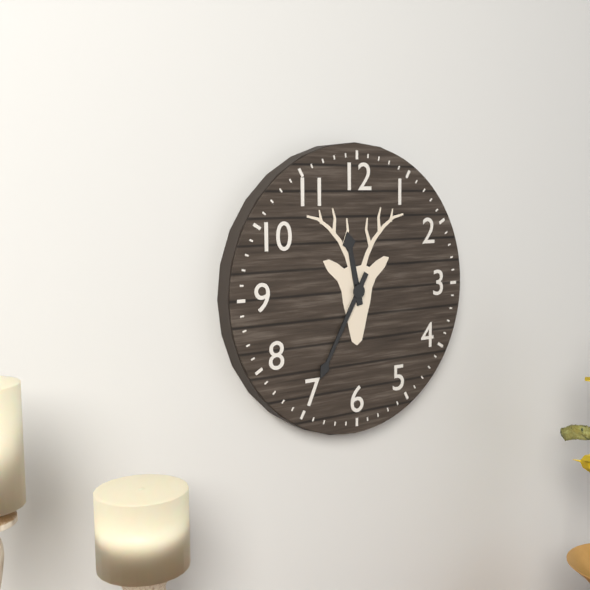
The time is 11:35
